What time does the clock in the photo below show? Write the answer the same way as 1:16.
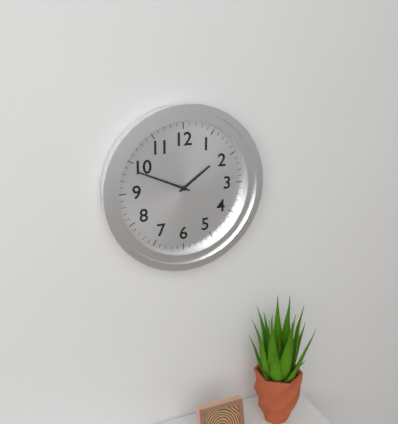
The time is 1:49
